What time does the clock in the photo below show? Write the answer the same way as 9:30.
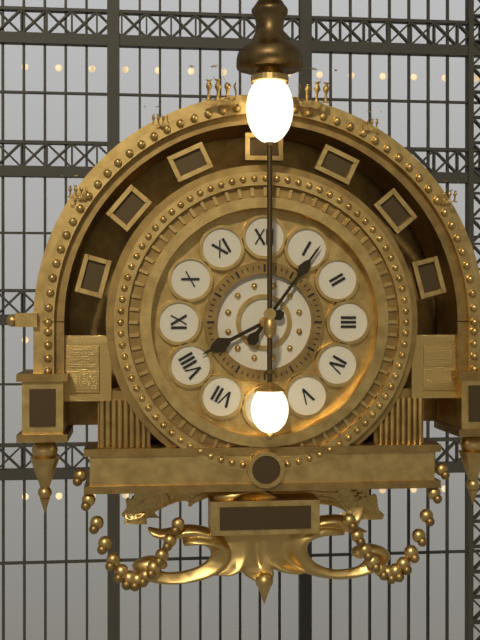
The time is 8:06
